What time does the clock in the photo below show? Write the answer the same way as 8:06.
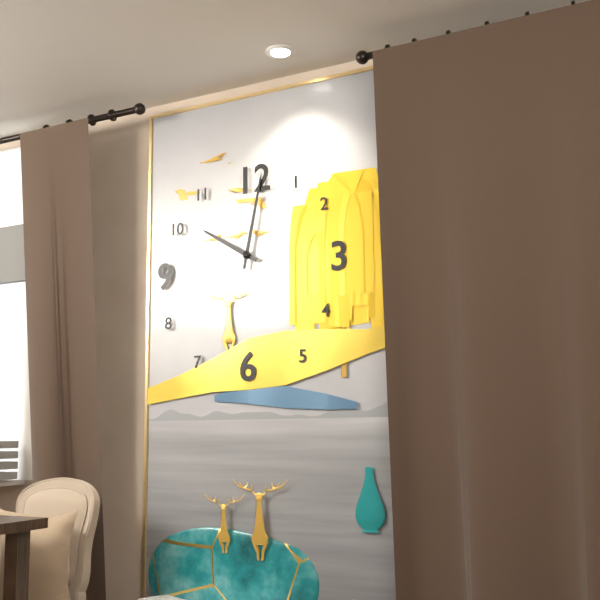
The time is 10:02
